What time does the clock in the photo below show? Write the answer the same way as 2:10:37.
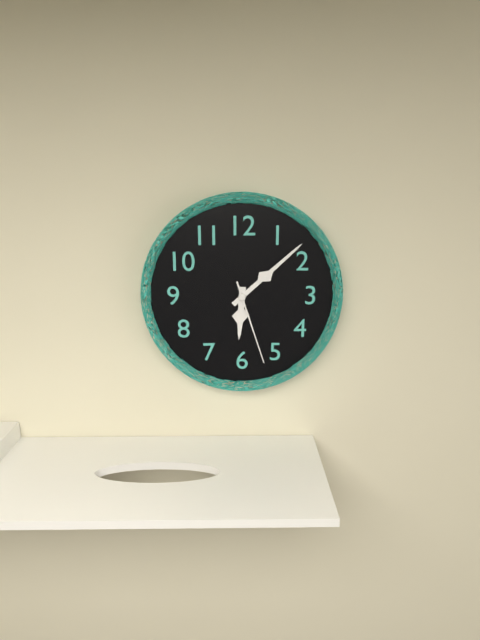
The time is 6:08:27
